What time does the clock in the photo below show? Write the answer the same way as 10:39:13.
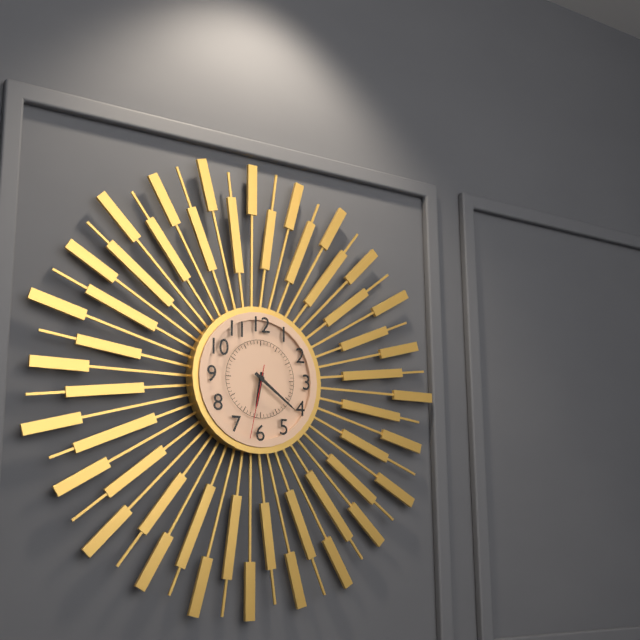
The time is 6:21:32
